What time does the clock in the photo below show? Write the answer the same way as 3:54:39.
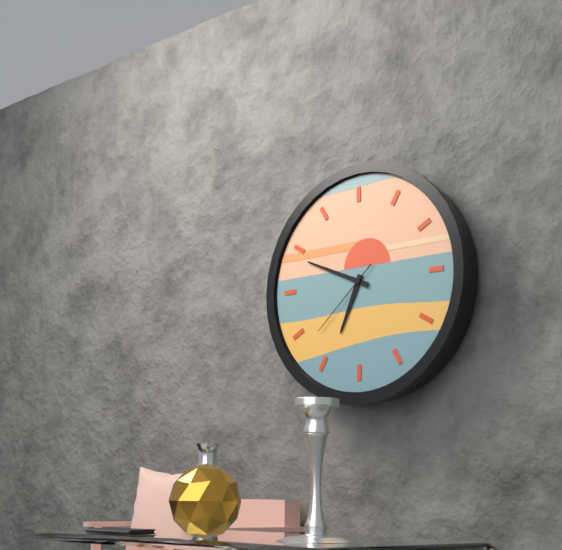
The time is 6:49:38
